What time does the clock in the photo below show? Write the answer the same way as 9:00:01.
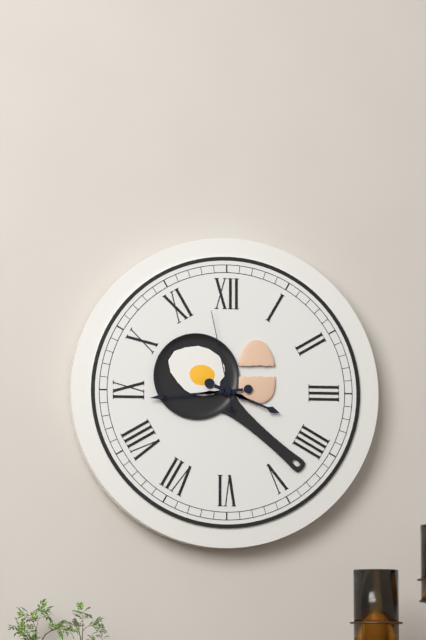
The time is 3:44:58
